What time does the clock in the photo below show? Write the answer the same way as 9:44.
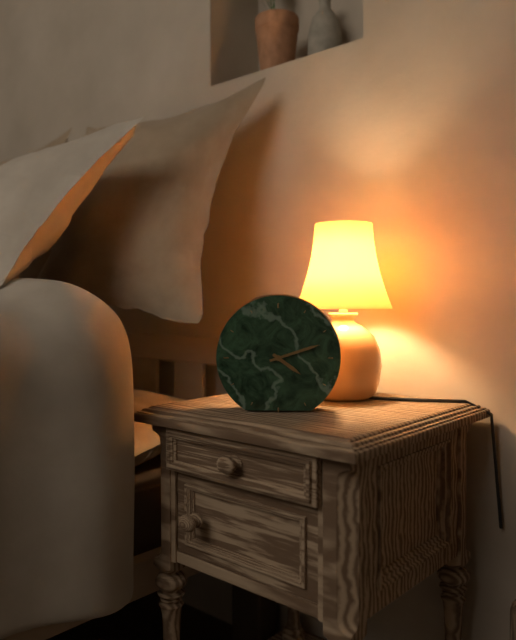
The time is 4:12
